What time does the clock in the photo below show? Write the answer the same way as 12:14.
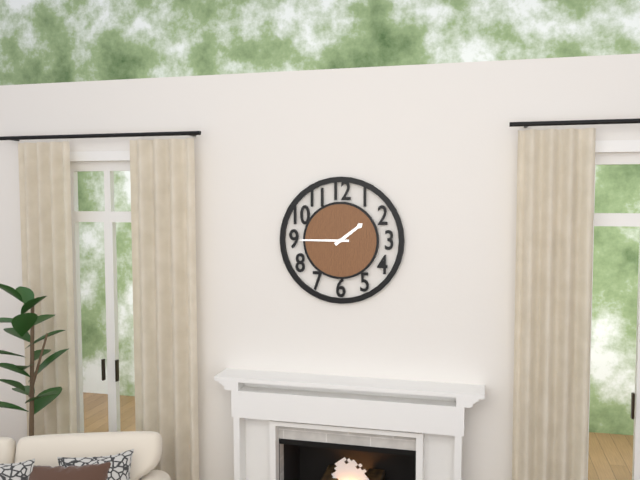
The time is 1:45
